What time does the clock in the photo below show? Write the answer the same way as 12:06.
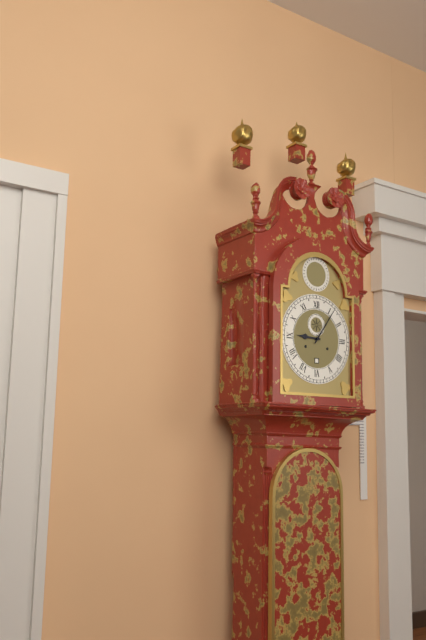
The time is 9:06
